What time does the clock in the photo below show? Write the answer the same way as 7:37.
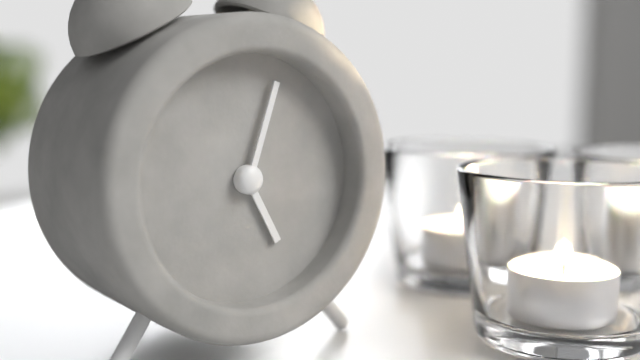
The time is 5:03
